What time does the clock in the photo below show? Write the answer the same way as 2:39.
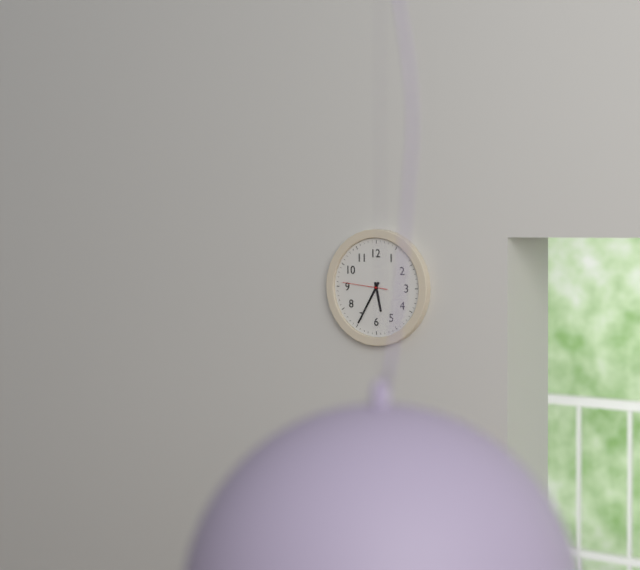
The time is 5:35
